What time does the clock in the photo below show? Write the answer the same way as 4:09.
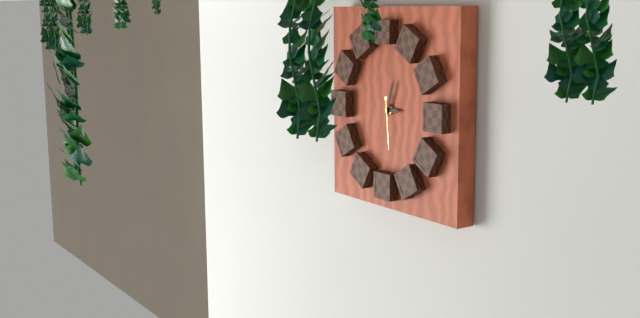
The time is 3:03
